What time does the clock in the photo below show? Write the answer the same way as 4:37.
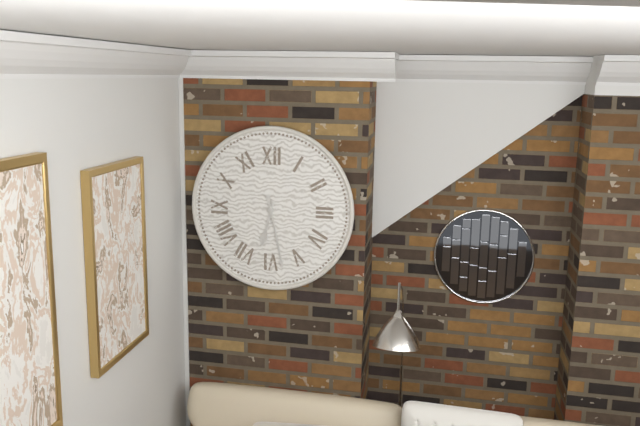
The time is 6:28
